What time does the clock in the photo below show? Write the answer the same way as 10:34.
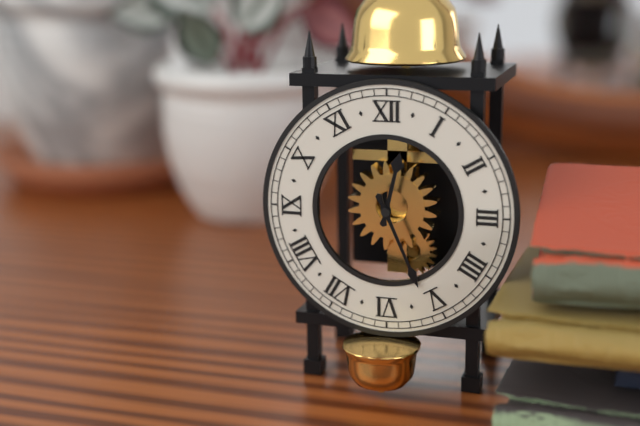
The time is 12:26
